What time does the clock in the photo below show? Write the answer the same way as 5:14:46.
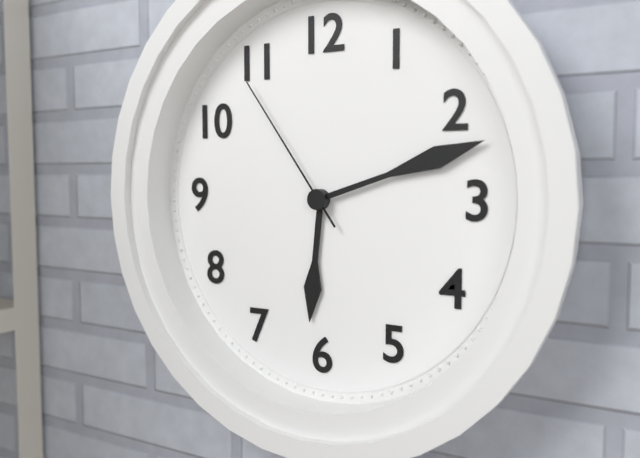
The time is 6:12:54
